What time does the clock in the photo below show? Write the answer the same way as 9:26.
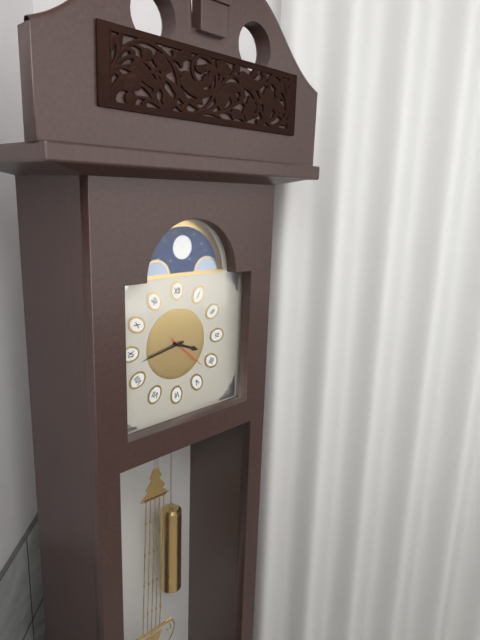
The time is 3:43
